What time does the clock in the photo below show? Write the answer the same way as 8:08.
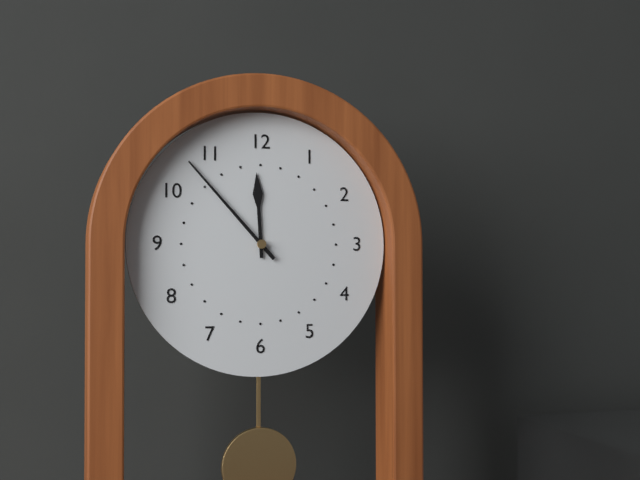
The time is 11:53
